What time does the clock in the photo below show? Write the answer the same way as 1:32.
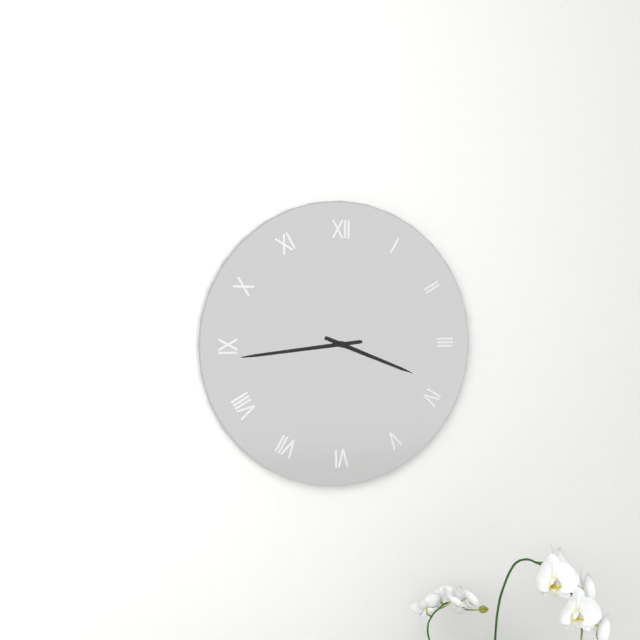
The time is 3:44
